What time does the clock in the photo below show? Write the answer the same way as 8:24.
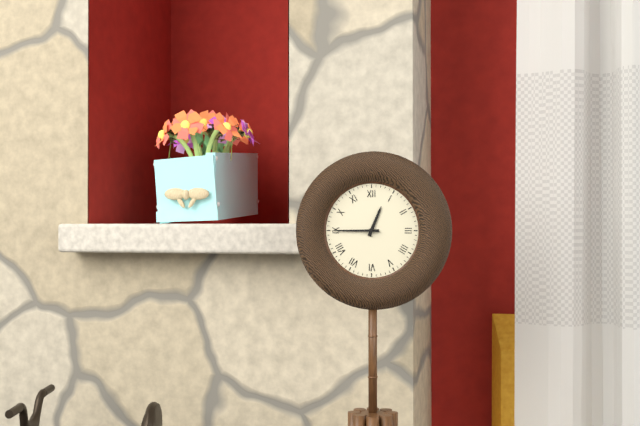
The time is 12:45
